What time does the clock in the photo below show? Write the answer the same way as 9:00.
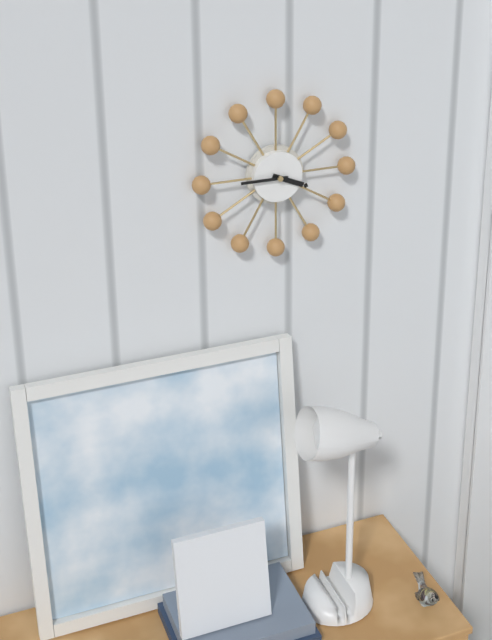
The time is 3:45
